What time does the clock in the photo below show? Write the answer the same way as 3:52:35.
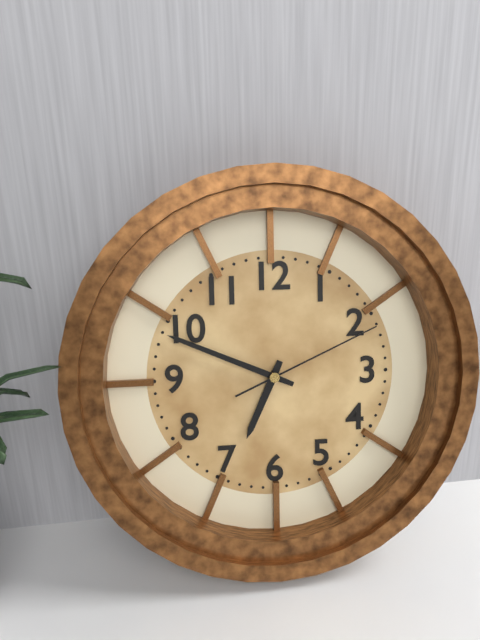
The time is 6:49:11
